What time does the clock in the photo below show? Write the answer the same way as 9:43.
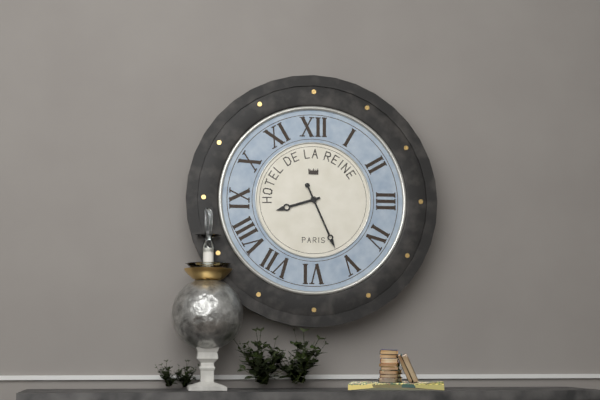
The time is 8:26
